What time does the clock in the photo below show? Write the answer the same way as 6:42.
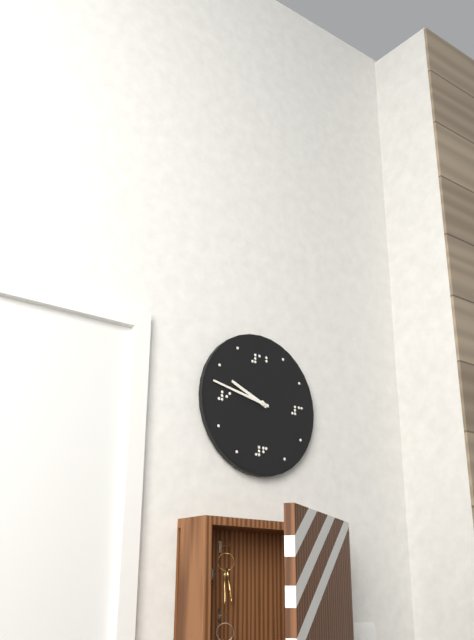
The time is 9:47
